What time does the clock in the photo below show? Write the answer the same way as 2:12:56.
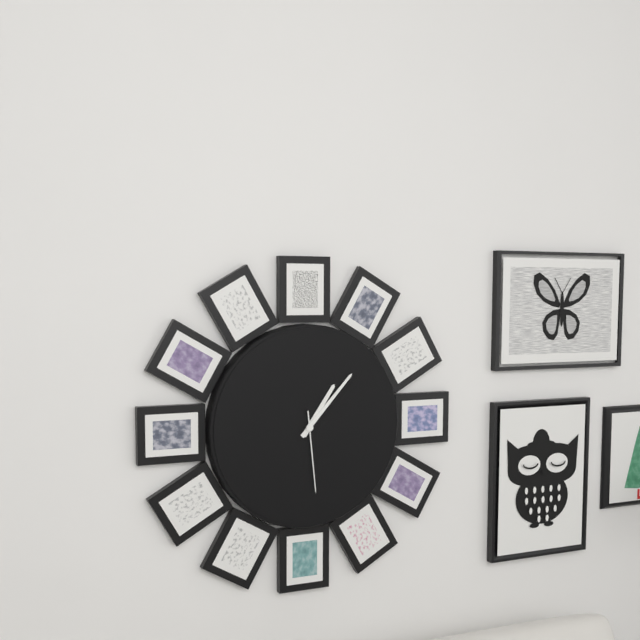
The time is 1:07:29
